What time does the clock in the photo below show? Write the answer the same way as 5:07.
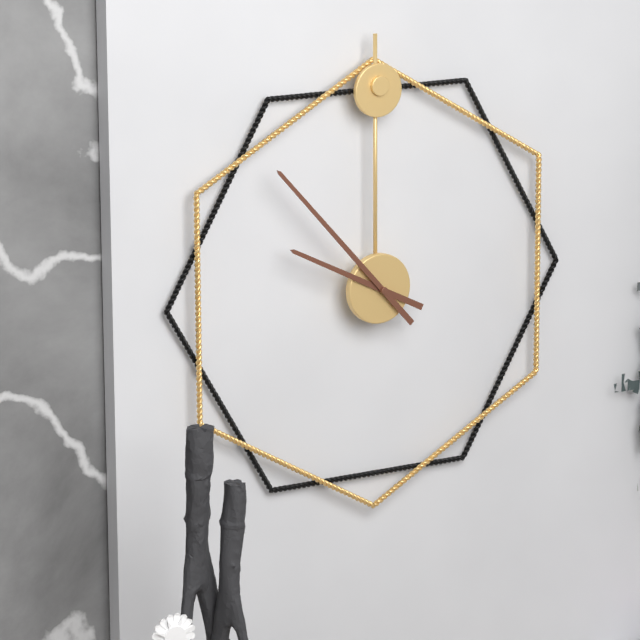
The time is 9:53
